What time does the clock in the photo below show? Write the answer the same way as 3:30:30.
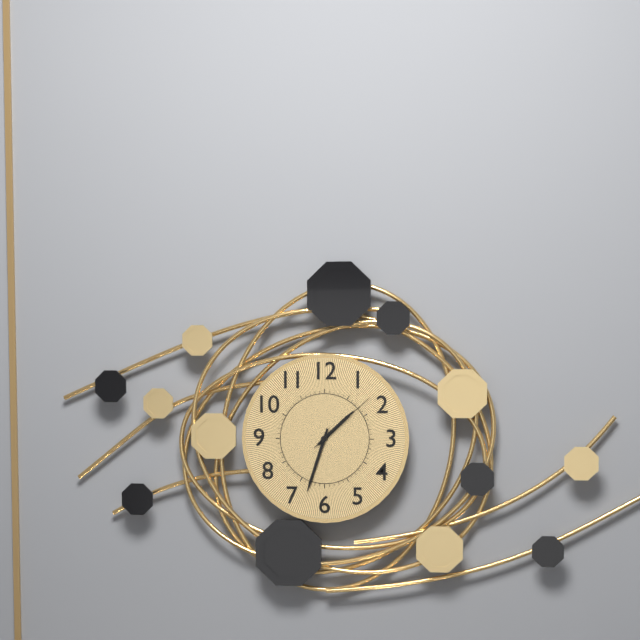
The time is 1:33:08
